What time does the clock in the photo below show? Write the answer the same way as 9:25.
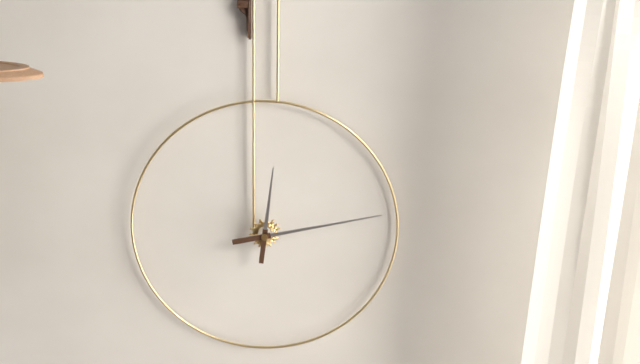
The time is 12:13
